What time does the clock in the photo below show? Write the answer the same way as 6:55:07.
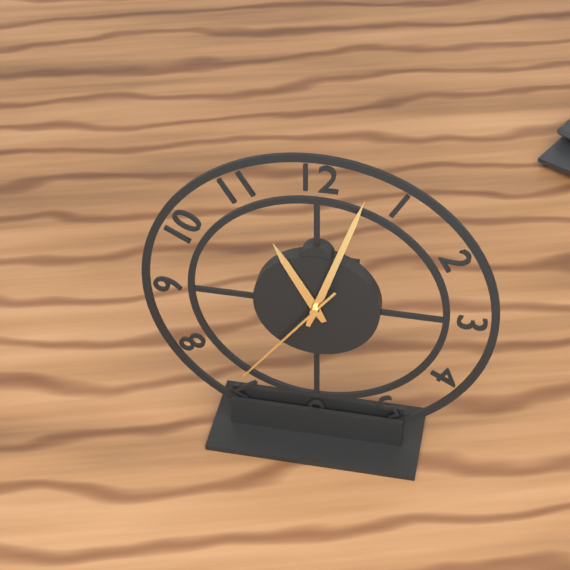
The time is 11:03:36
